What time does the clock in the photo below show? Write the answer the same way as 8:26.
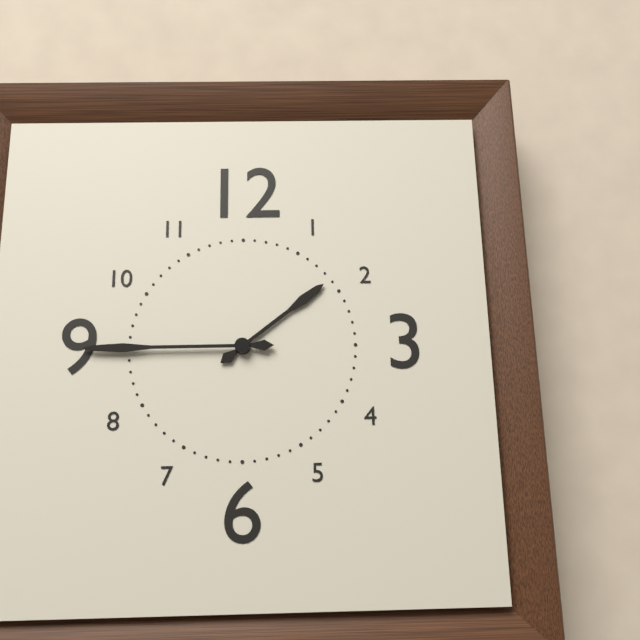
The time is 1:45
